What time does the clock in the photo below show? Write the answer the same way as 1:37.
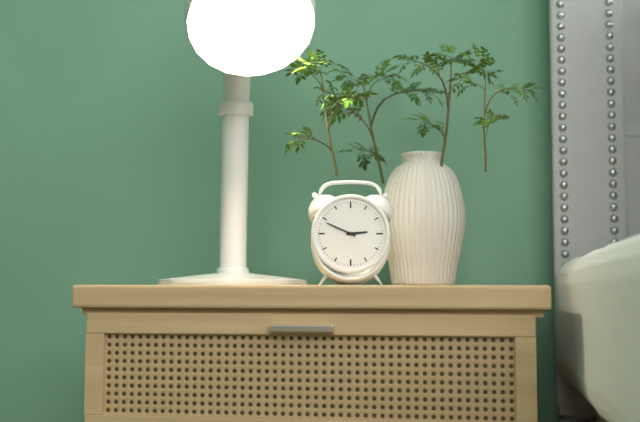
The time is 2:49
